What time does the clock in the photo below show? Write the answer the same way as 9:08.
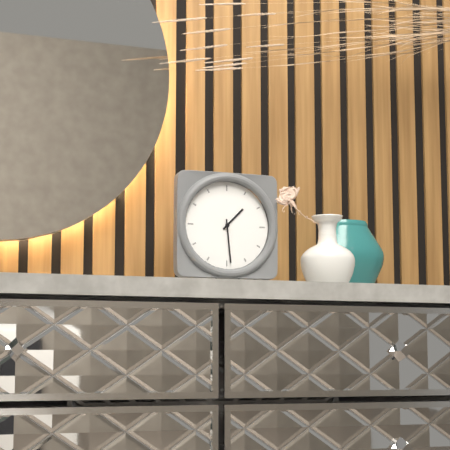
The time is 1:29
